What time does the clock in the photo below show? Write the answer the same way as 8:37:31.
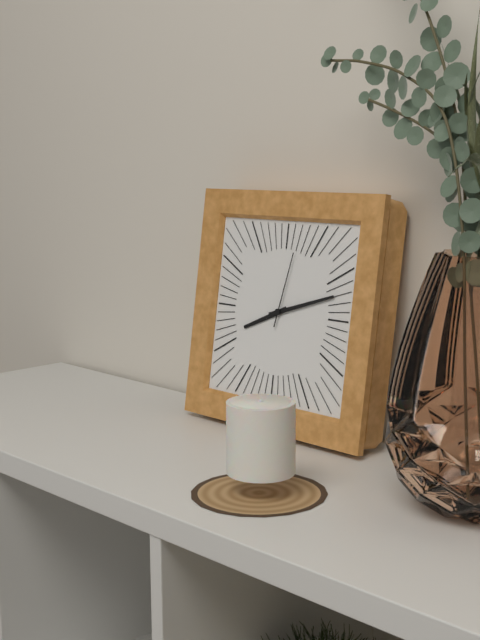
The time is 8:12:02
